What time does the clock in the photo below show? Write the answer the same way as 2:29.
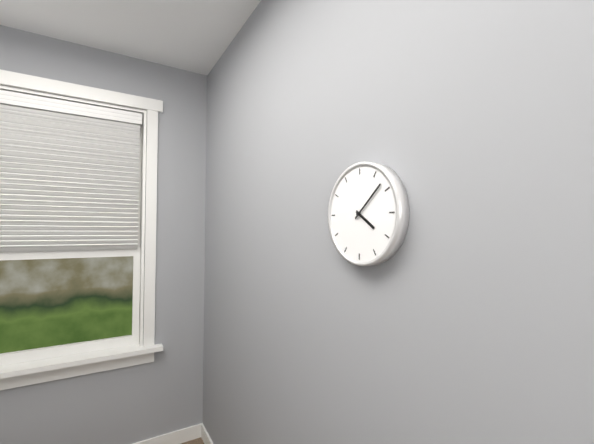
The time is 4:08
